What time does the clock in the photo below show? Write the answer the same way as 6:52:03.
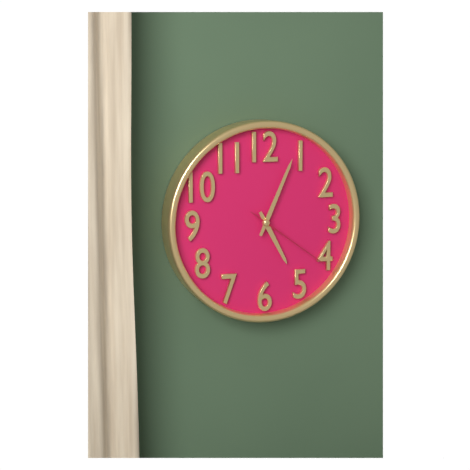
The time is 5:04:21
